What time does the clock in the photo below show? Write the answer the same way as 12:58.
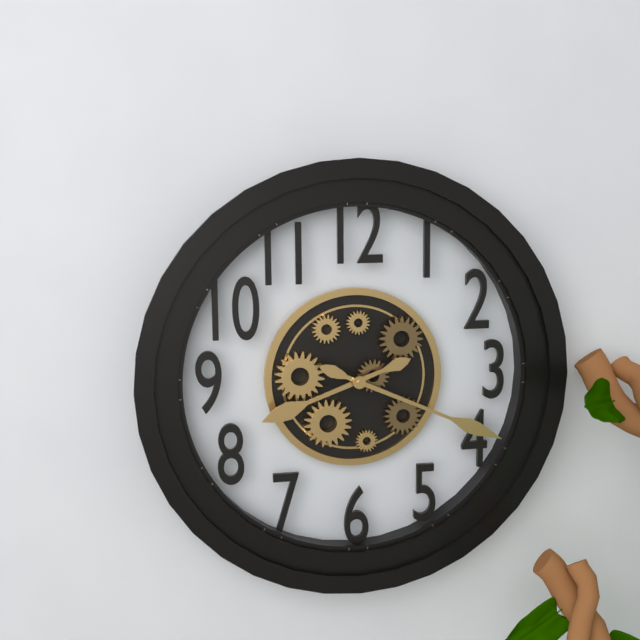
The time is 8:19
